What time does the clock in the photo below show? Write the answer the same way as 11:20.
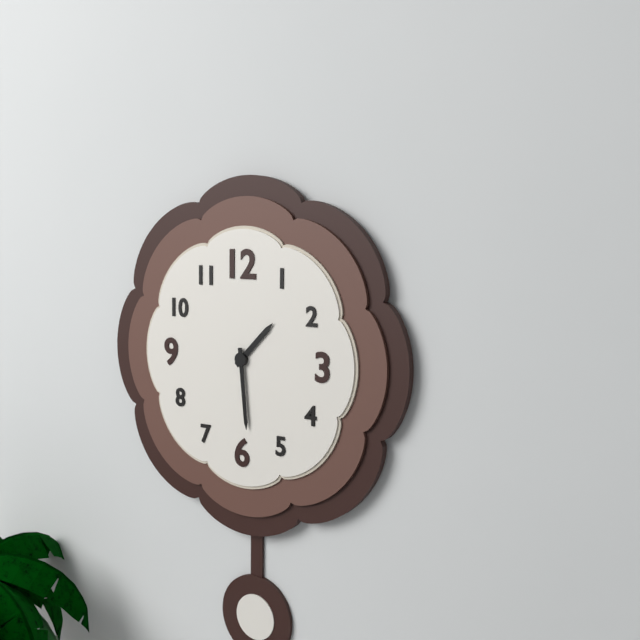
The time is 1:29
